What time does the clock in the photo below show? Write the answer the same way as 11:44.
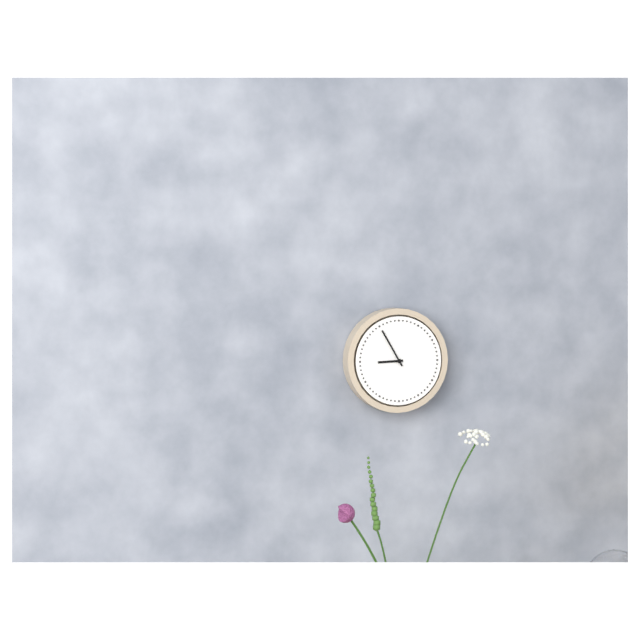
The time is 8:55
